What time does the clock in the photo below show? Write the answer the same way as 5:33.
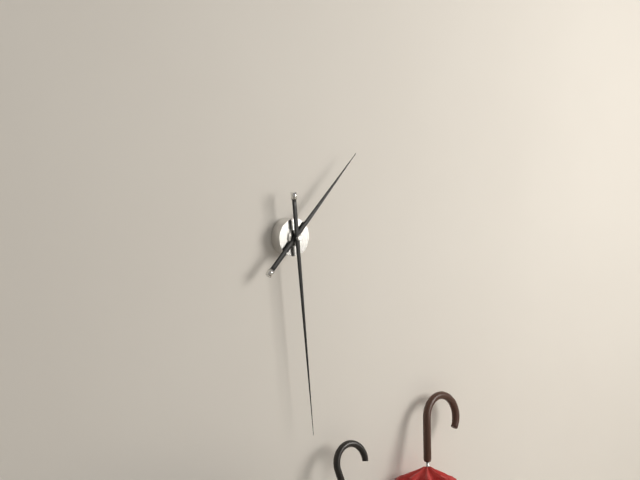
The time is 1:29
